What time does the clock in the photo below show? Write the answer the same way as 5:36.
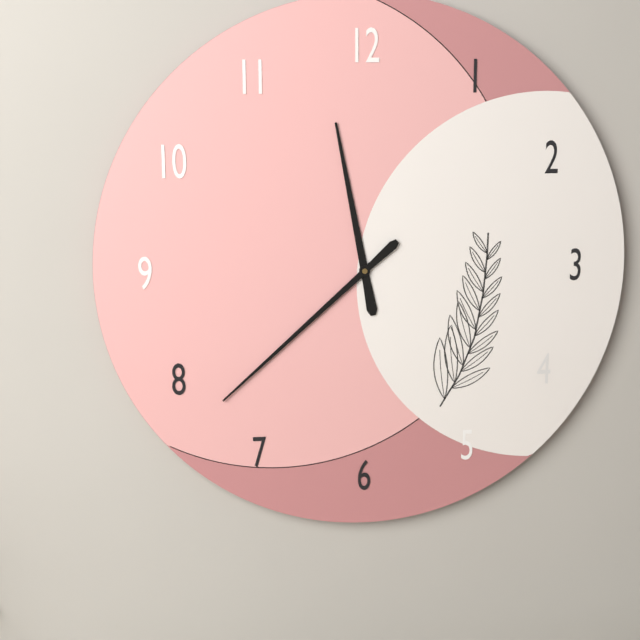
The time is 11:38
